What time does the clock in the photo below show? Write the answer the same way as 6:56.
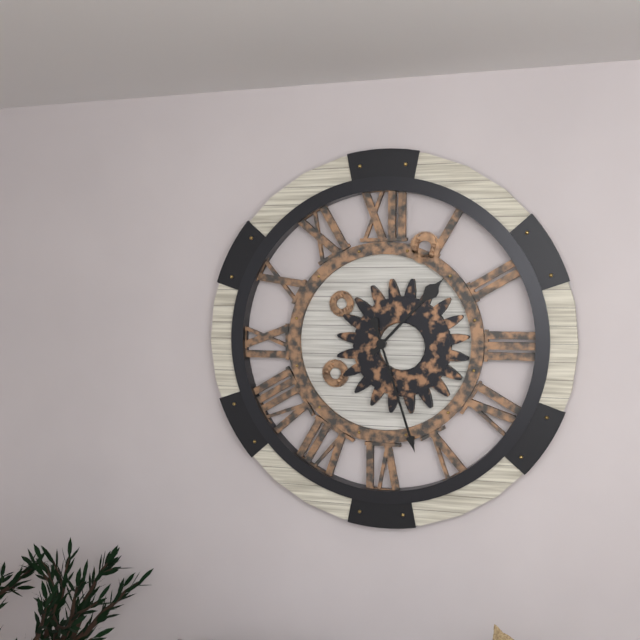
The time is 1:27
